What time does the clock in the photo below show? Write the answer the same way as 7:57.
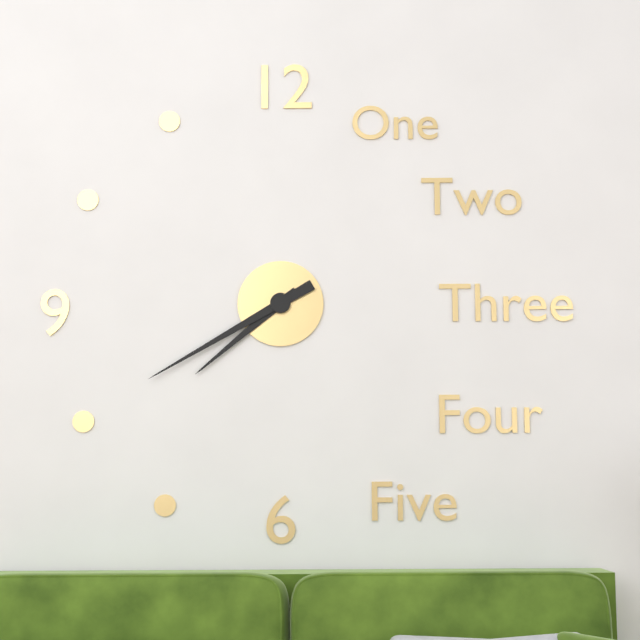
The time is 7:40
